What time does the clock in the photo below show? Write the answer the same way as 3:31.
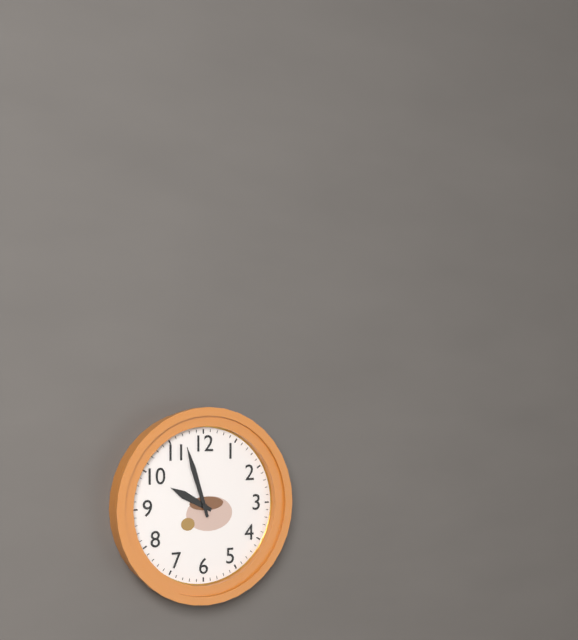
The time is 9:57
